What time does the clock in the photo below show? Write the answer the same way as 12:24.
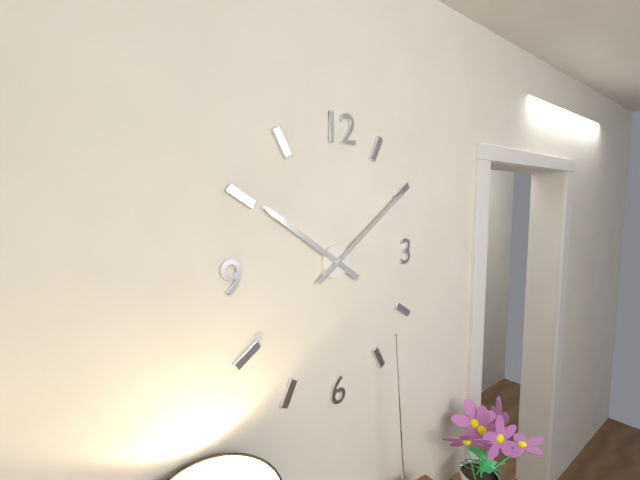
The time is 10:09
